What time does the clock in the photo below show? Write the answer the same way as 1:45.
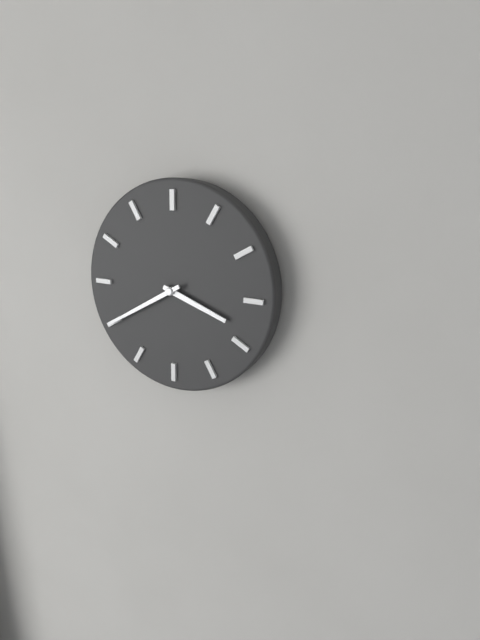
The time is 3:40
